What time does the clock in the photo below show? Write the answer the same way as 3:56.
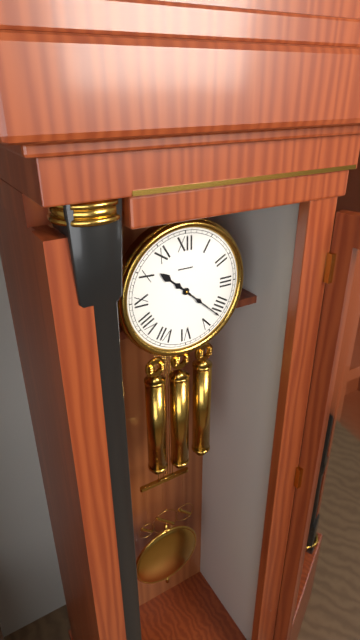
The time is 10:22
